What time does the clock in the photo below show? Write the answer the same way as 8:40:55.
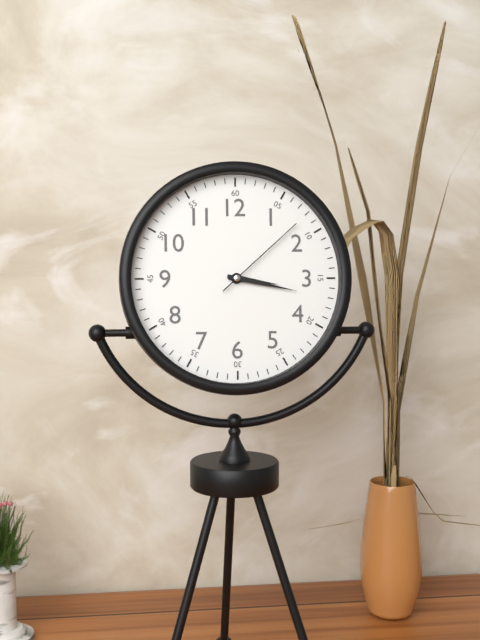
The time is 3:17:08
